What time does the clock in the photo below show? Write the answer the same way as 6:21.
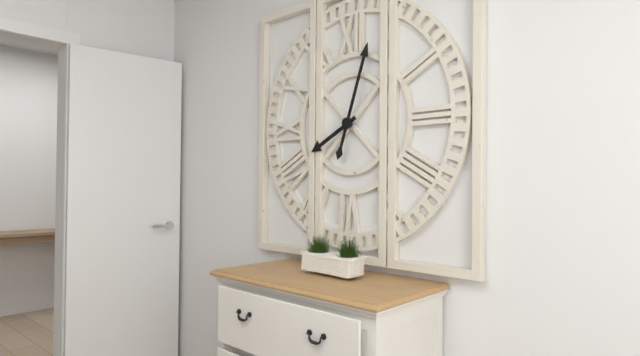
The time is 8:03
